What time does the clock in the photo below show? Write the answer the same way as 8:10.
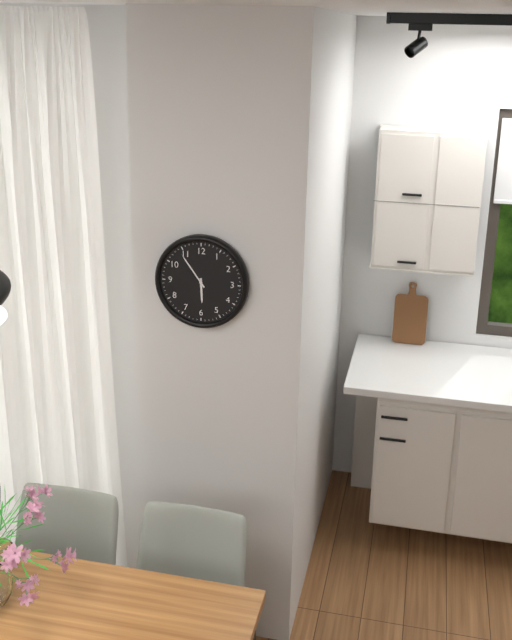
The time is 5:54
